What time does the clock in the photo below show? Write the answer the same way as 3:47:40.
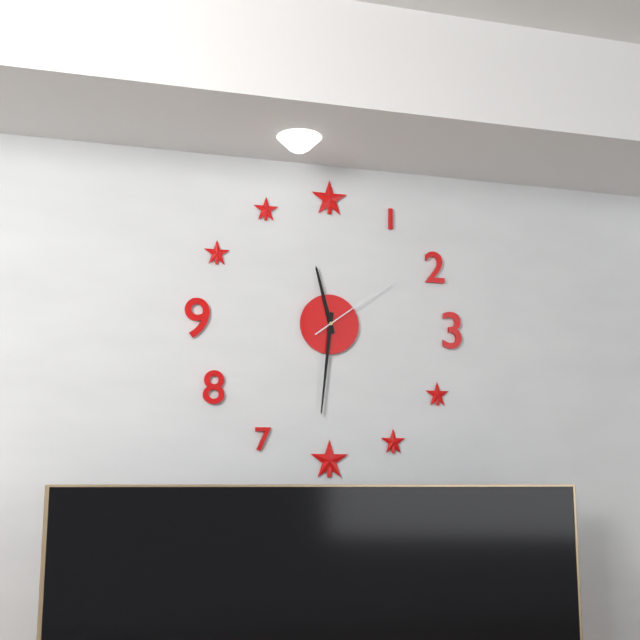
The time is 11:31:09
